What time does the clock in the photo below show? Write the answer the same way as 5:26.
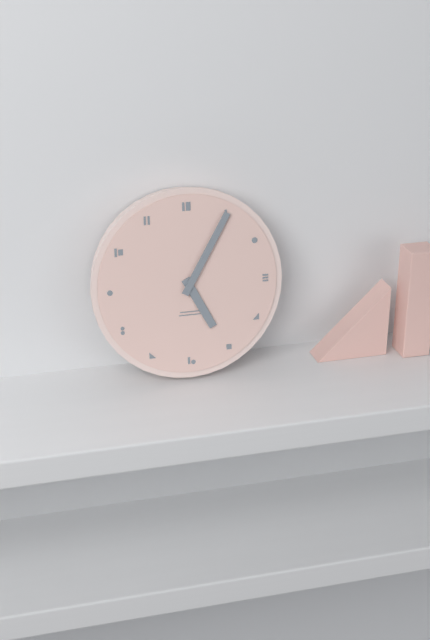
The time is 5:05
